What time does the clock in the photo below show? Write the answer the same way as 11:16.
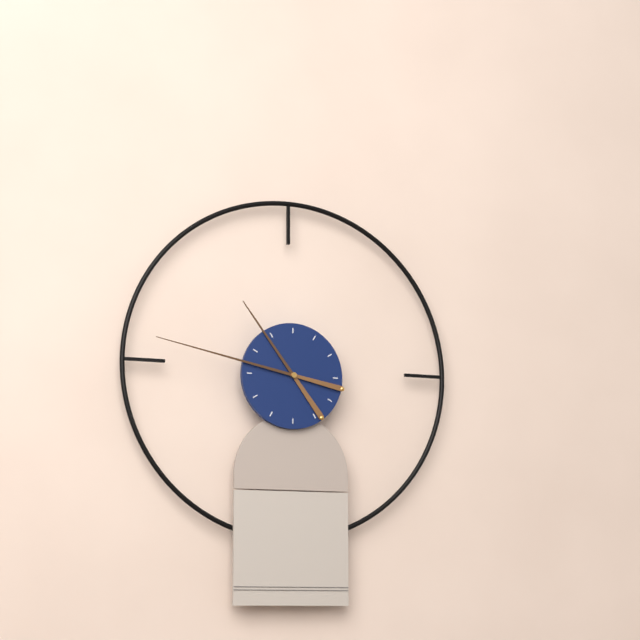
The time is 10:47
